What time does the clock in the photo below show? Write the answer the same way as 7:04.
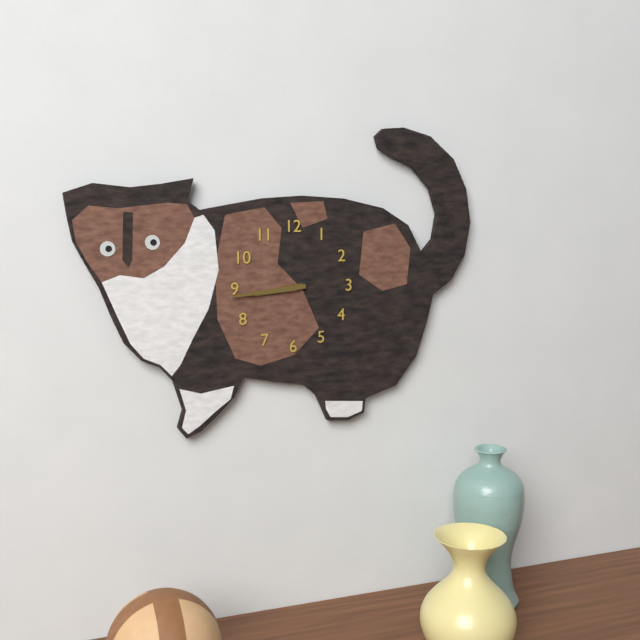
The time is 8:44
